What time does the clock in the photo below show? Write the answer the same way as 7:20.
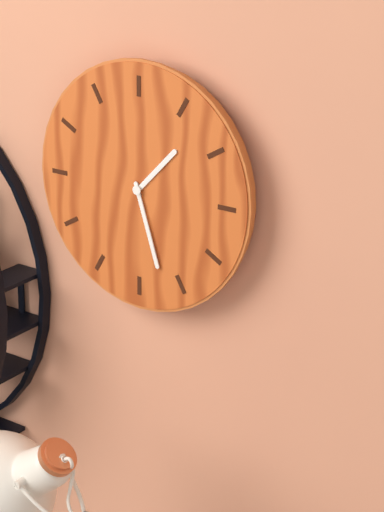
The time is 1:27
